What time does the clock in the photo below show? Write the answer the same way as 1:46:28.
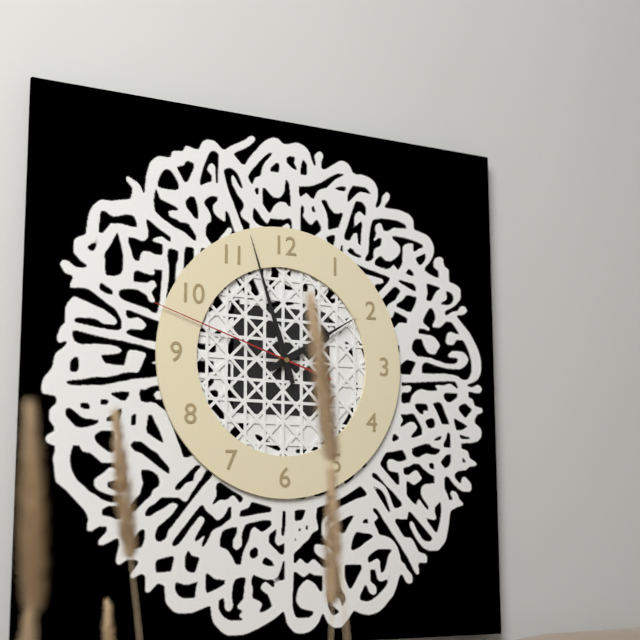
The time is 1:57:48
